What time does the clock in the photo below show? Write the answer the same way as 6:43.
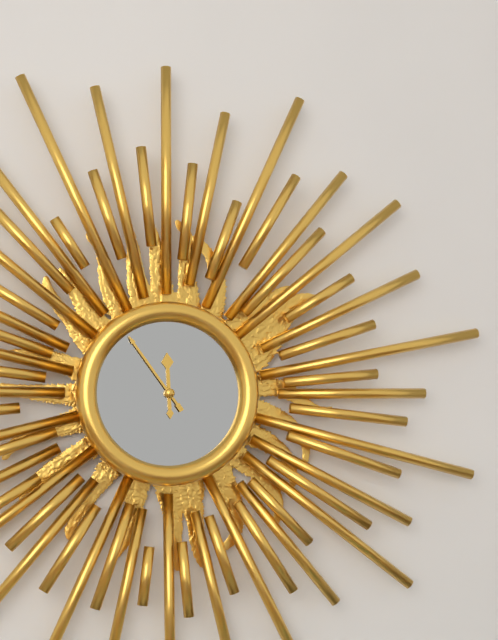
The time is 11:54
